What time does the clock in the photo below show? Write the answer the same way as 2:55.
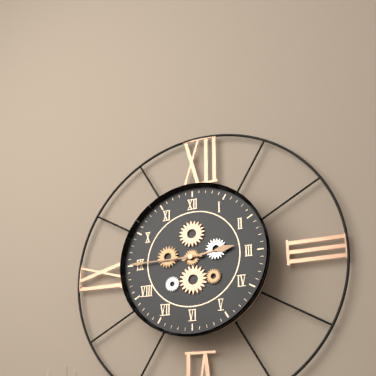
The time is 2:45
